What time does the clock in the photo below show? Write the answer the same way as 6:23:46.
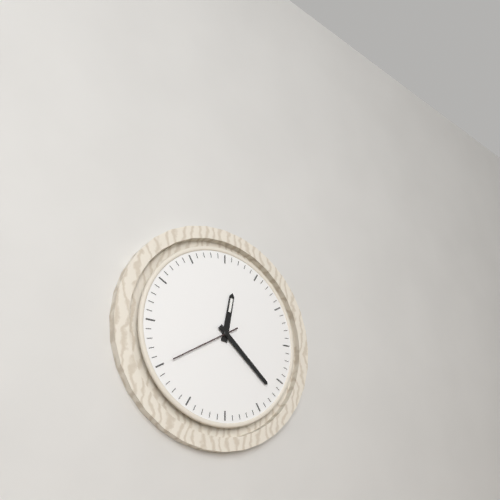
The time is 12:22:40
